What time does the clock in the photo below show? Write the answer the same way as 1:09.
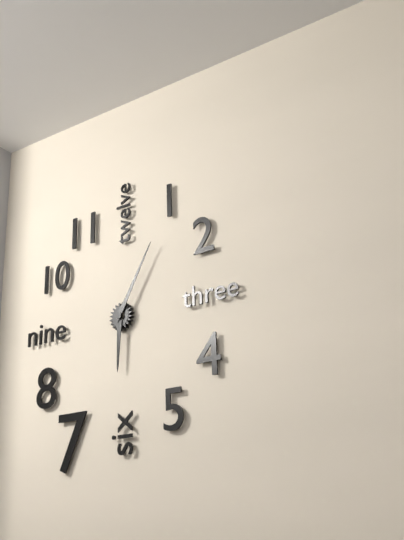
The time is 6:05
